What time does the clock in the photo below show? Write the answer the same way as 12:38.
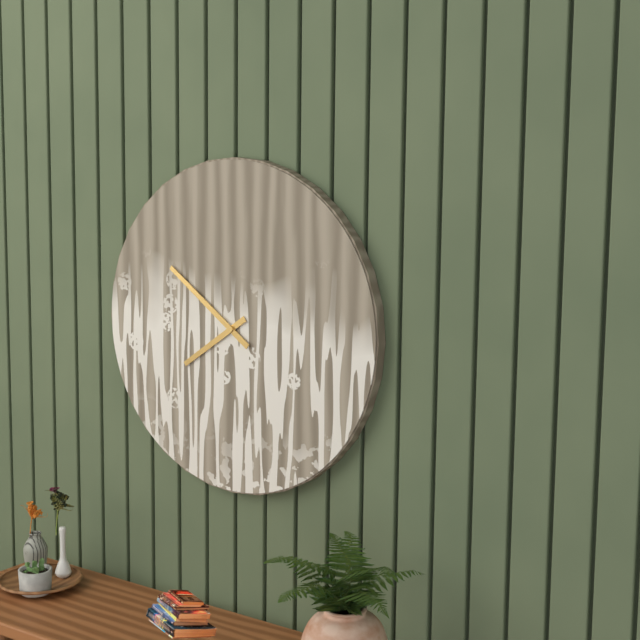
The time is 7:51
